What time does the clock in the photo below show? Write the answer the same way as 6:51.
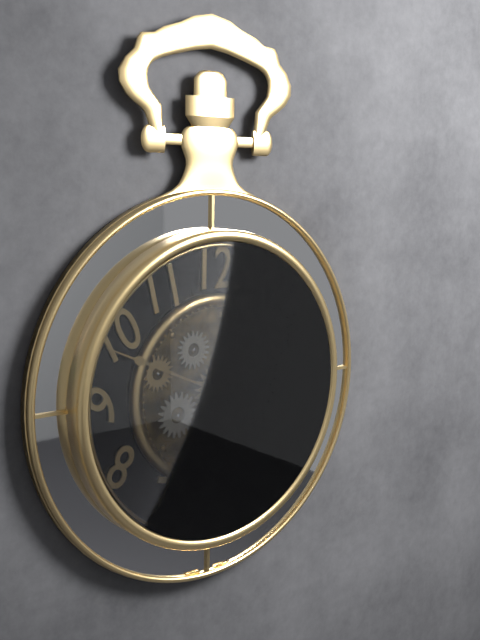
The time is 4:49
